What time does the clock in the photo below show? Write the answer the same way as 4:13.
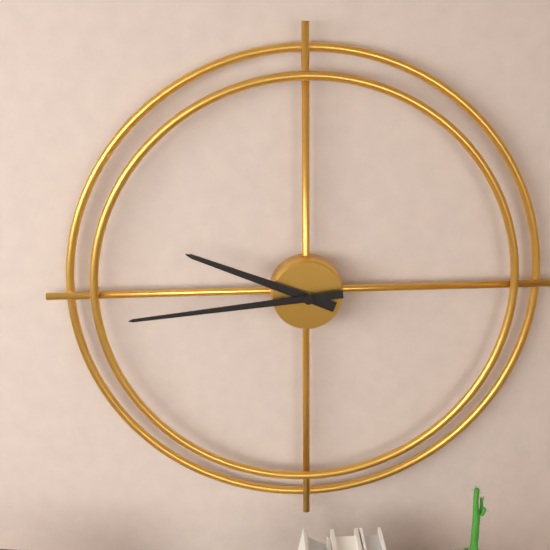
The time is 9:44
